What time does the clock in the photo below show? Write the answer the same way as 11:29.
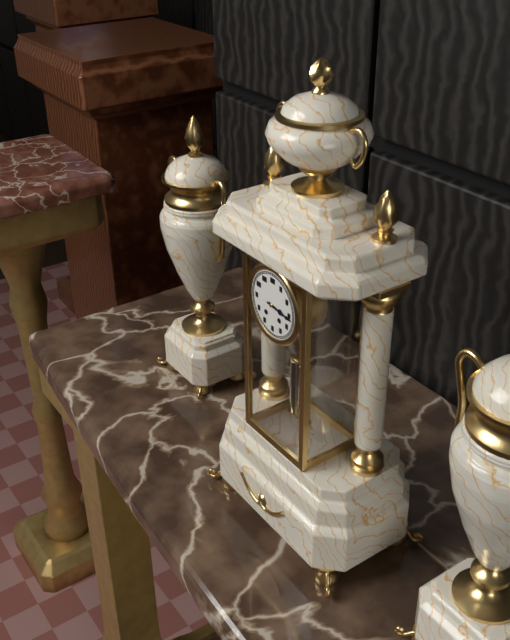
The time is 3:16
